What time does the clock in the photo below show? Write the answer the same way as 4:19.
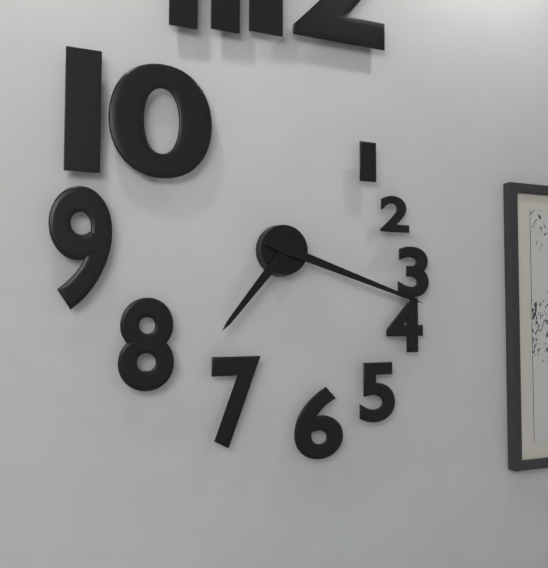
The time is 7:18
